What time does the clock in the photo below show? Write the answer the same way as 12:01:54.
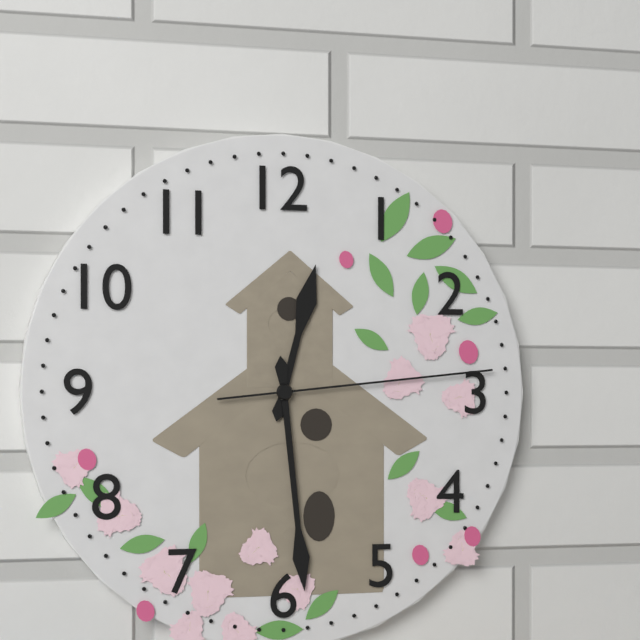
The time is 12:29:14
